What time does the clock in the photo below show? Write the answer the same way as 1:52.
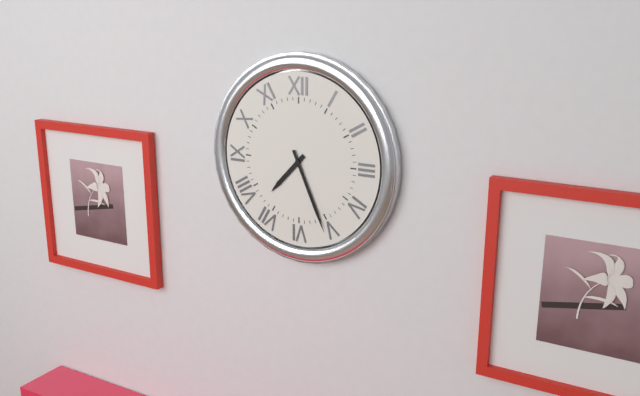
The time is 7:26
